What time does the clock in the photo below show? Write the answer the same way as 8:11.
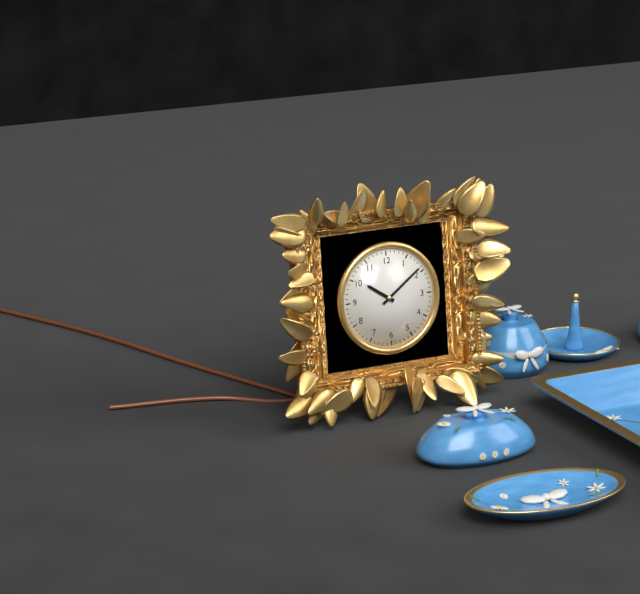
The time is 10:09
